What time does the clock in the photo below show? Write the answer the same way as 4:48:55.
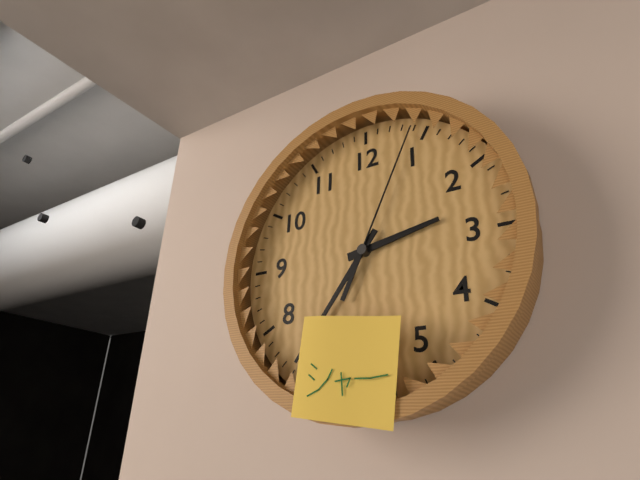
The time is 2:36:04
